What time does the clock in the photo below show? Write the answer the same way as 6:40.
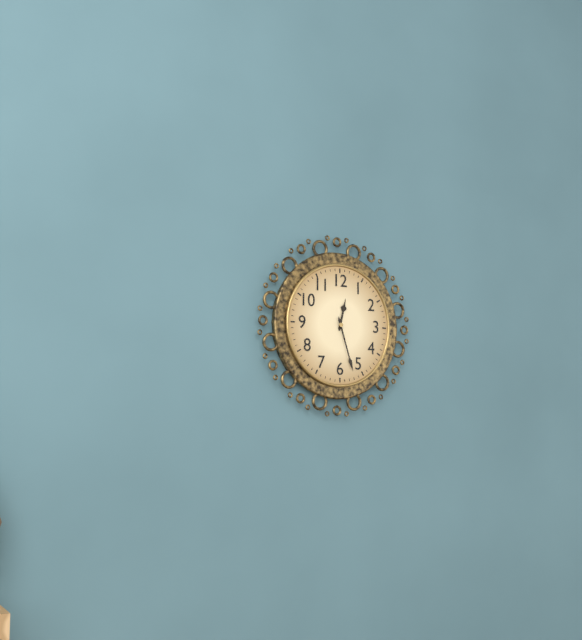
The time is 12:27
